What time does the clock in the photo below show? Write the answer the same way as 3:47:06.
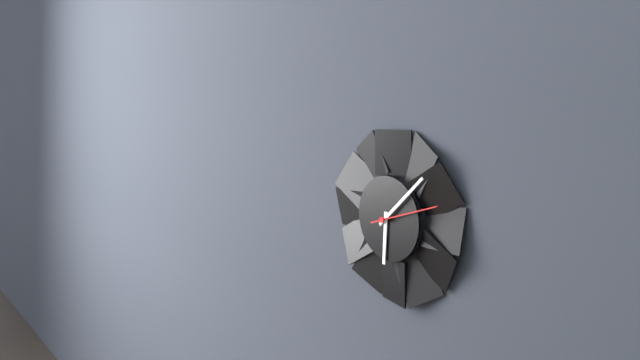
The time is 6:08:12
